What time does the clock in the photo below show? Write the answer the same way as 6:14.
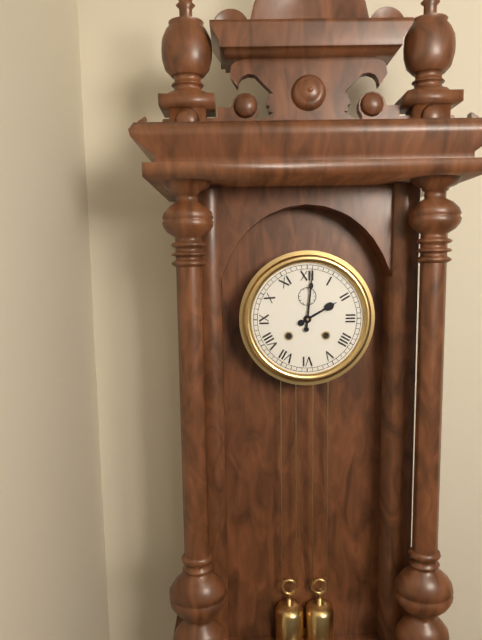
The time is 2:01
